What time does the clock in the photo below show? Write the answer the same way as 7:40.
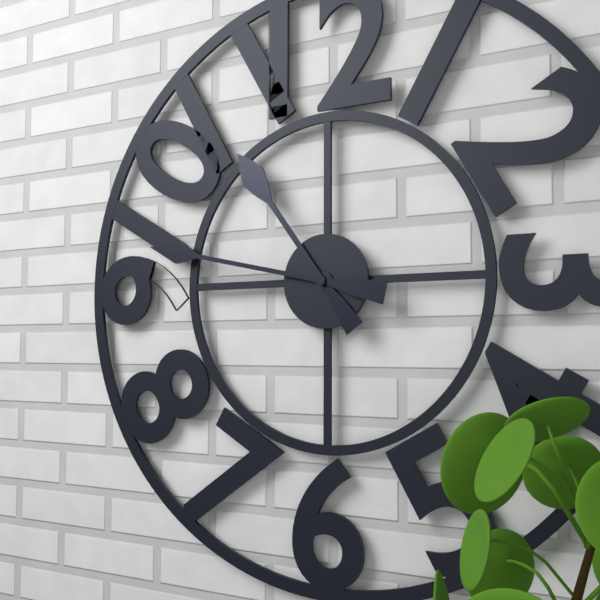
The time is 10:47
